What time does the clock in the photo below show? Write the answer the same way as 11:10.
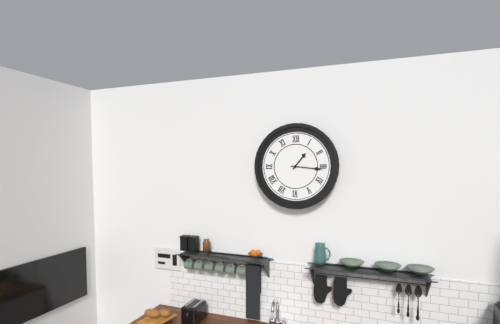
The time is 1:16
